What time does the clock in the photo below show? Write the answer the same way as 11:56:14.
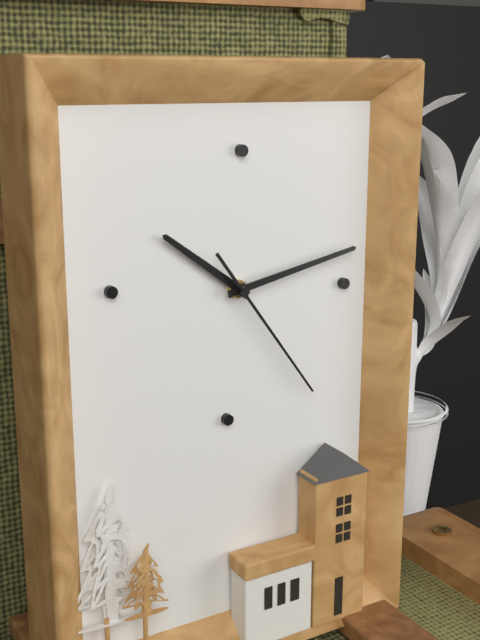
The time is 10:13:24
